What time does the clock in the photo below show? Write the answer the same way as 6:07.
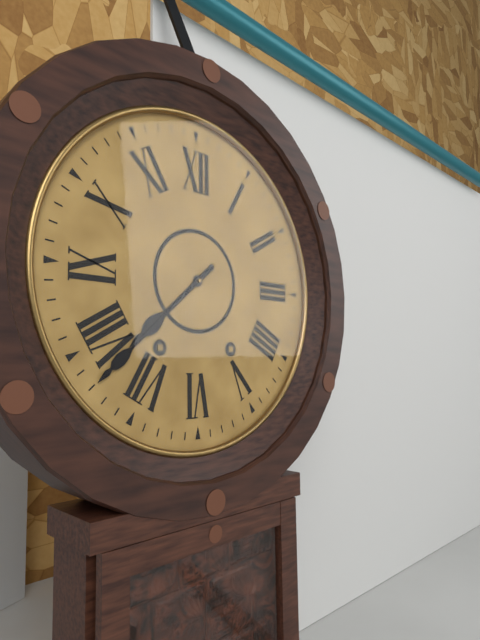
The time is 7:38
